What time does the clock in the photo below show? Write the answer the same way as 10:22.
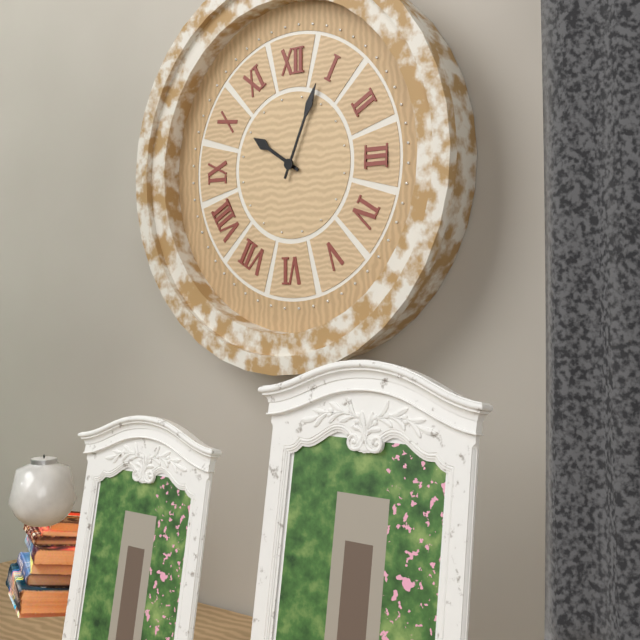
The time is 10:04
